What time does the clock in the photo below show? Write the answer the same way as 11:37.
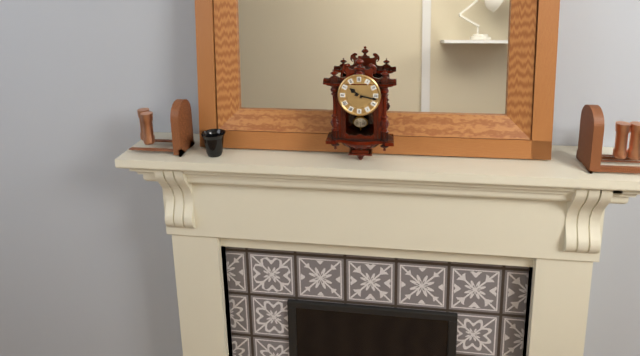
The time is 10:17
